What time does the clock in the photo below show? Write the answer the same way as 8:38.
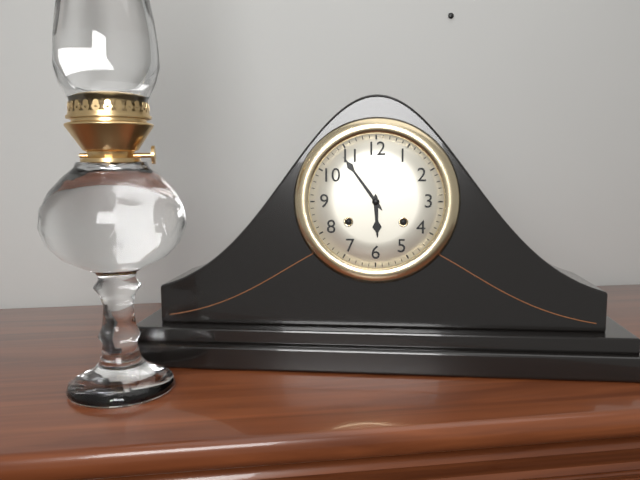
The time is 5:54
